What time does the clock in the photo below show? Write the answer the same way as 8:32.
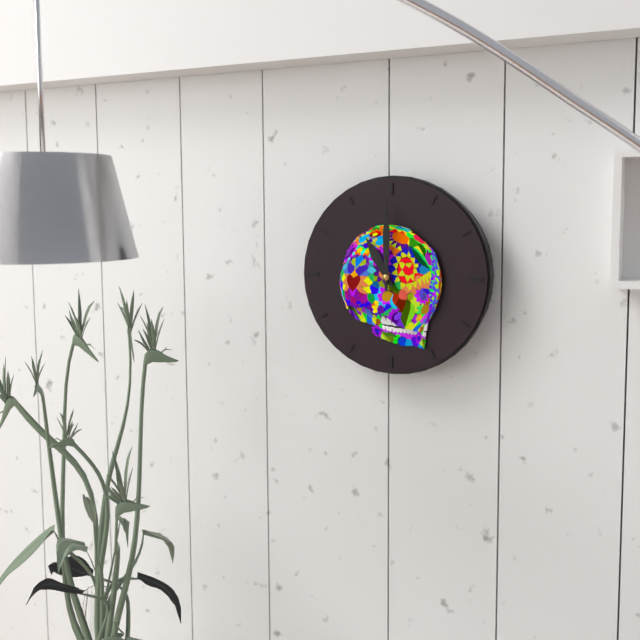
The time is 11:00
